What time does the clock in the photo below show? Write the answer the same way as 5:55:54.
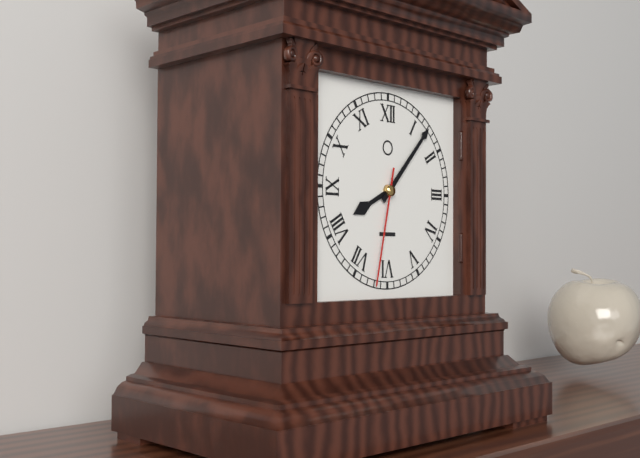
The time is 8:07:32
